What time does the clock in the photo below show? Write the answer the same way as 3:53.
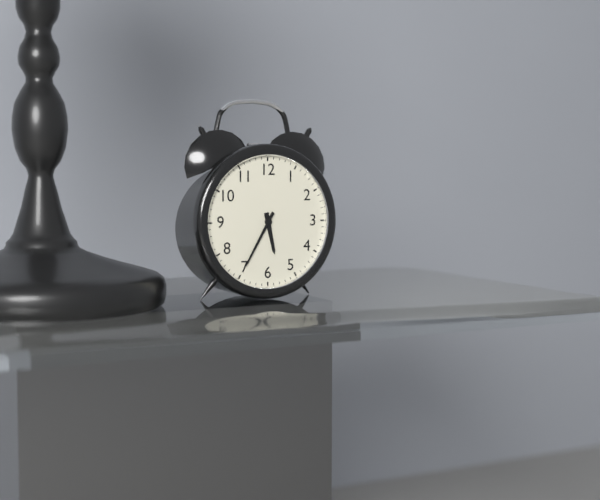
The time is 5:35
